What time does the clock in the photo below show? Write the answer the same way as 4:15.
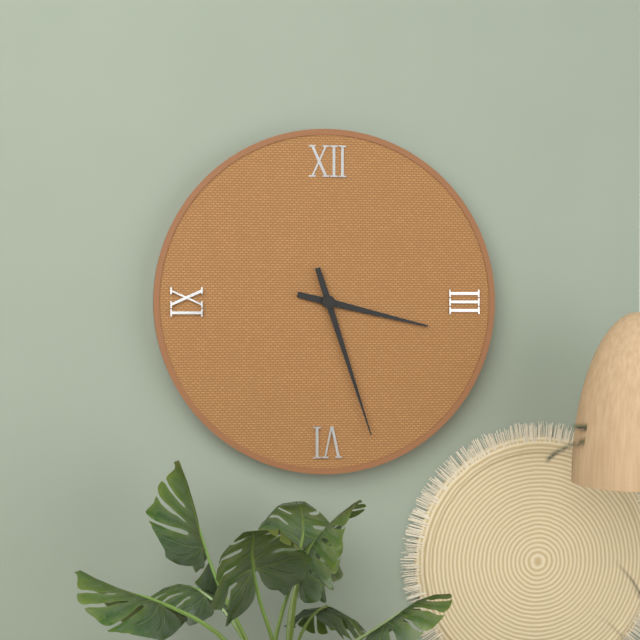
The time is 3:27
